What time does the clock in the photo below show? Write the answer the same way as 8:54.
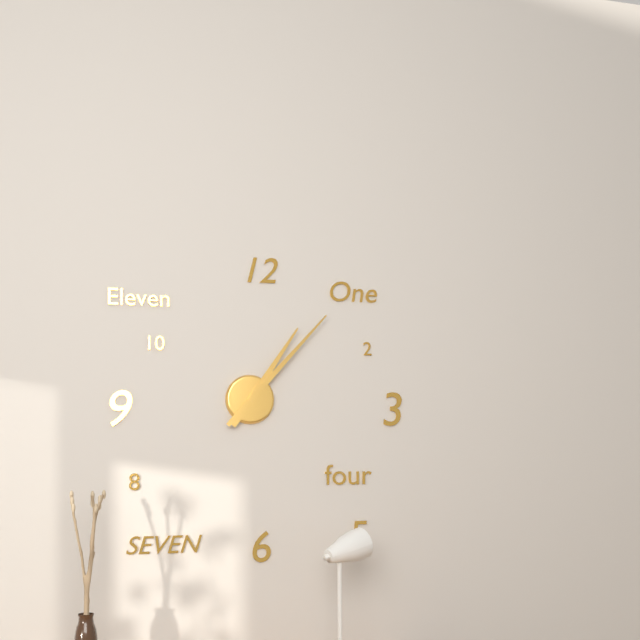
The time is 1:07
